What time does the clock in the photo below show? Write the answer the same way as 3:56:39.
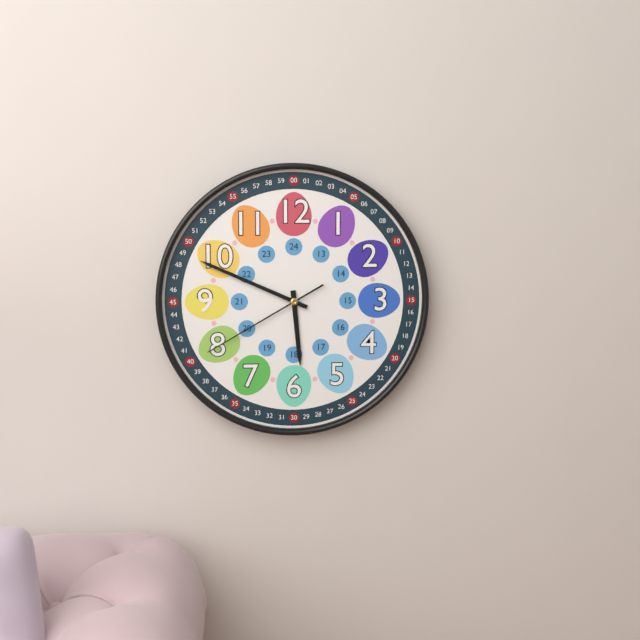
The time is 5:49:40
